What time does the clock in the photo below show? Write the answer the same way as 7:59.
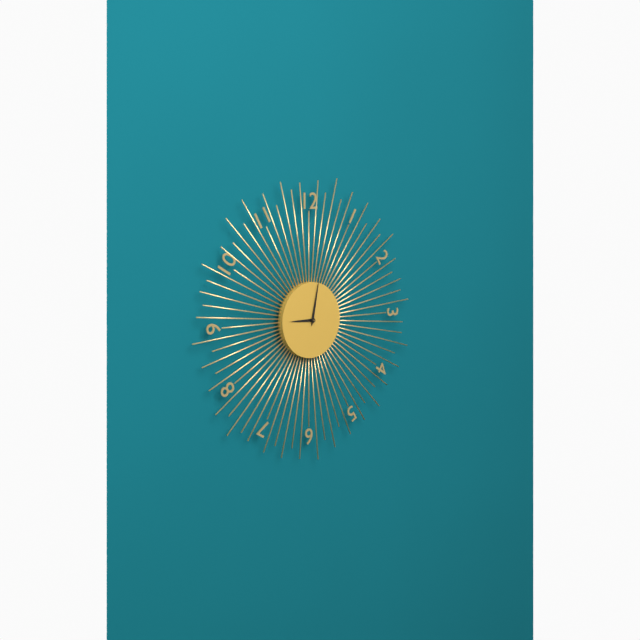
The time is 9:02
